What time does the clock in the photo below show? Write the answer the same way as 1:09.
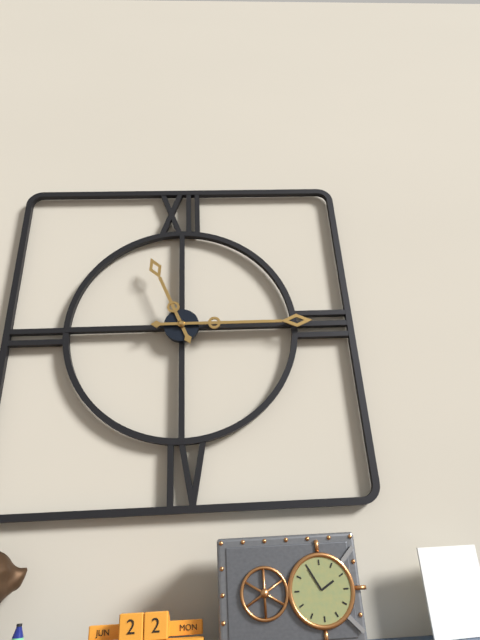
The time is 11:15
